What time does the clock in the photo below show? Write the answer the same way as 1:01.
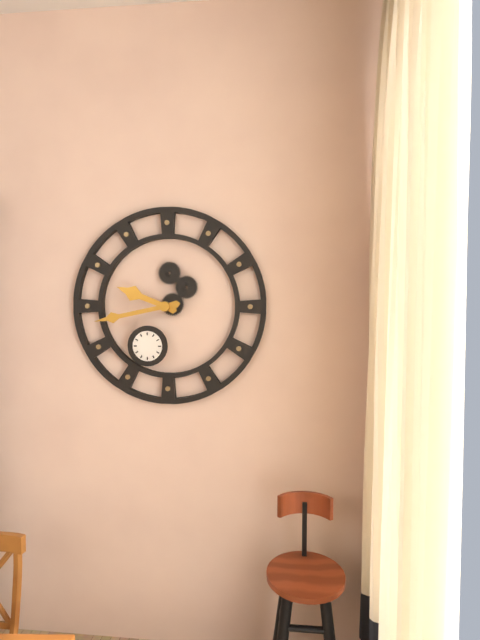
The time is 9:43
